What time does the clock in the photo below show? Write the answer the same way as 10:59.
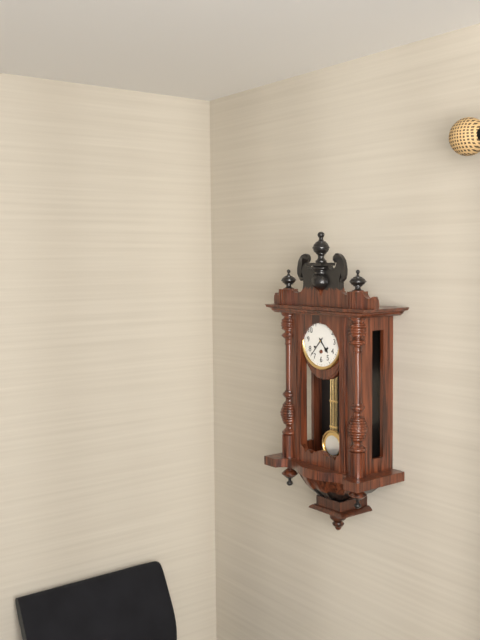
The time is 4:37
